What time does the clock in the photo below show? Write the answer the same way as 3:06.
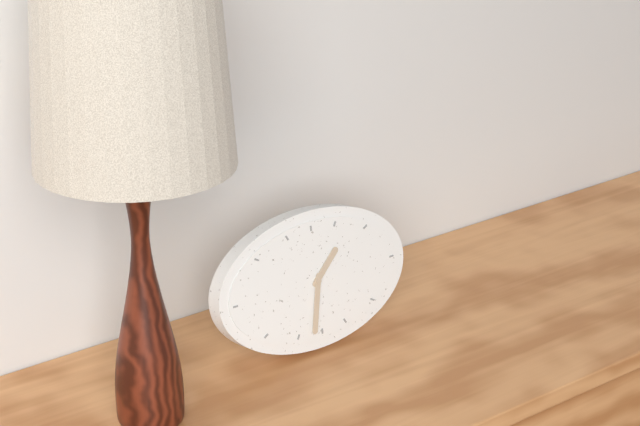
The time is 1:32
